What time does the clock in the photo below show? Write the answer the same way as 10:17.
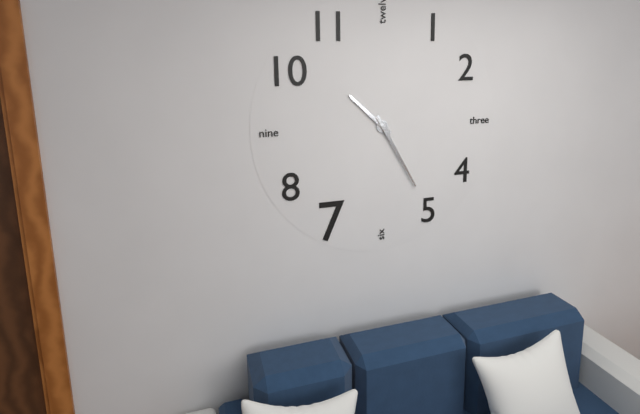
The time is 10:25
